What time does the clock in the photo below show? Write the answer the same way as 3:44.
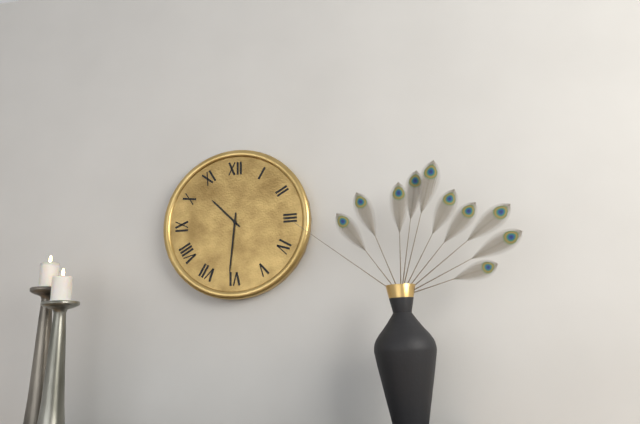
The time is 10:31
